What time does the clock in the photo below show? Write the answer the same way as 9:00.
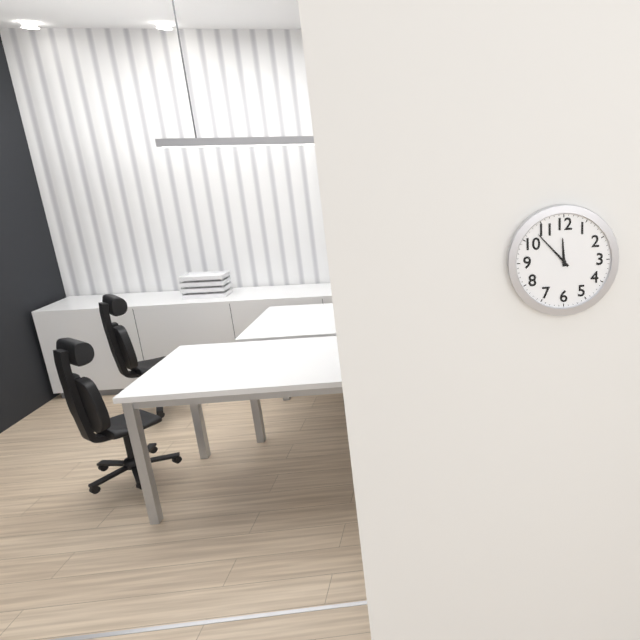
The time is 11:53
